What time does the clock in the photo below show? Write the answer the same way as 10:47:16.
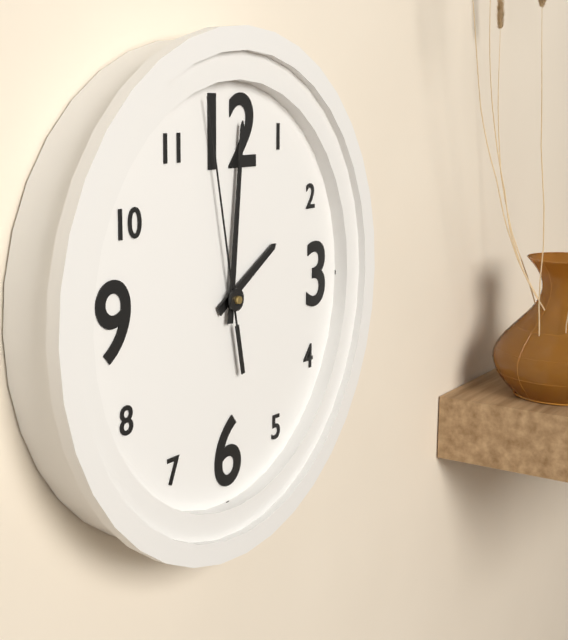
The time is 2:01:58
